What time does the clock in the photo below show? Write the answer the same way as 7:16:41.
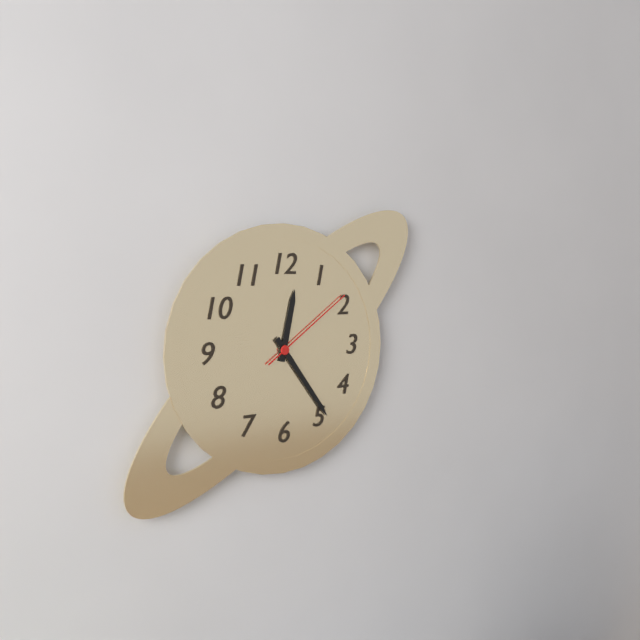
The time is 12:24:09
